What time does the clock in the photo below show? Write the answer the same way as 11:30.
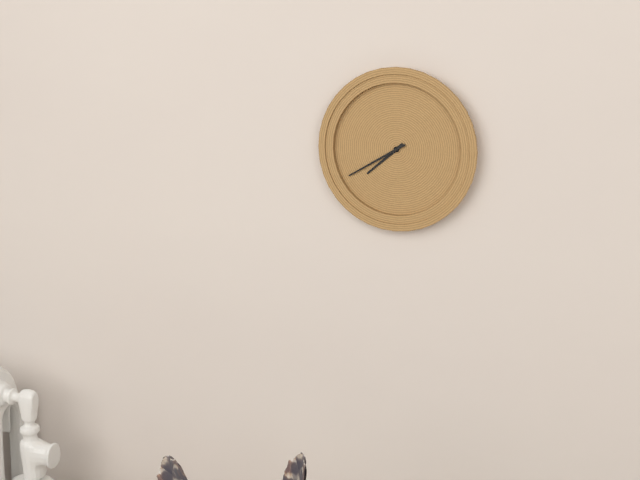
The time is 7:40
